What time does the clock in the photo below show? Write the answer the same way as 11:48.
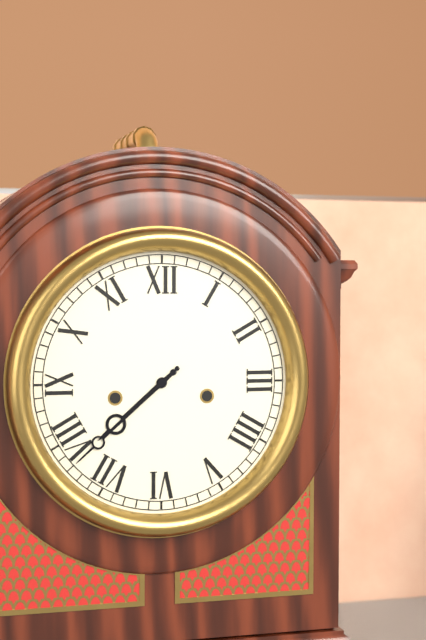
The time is 7:38
